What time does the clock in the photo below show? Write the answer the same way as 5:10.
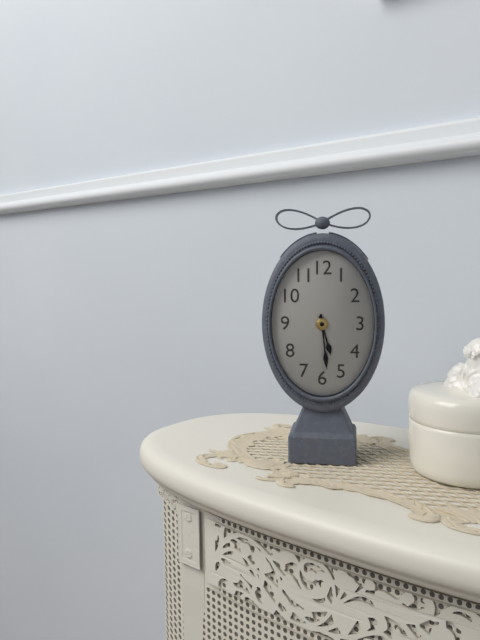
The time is 5:29
